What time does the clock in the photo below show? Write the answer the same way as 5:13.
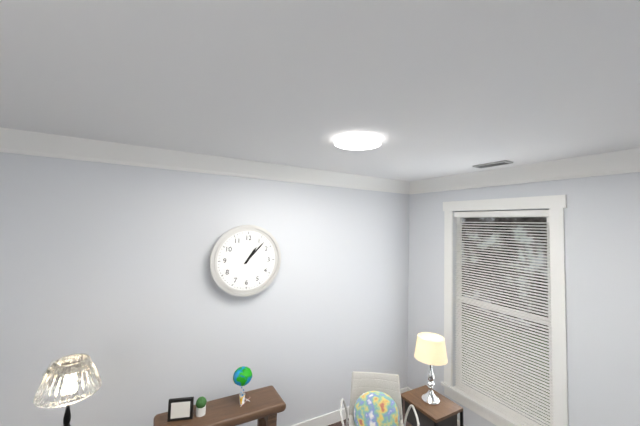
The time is 1:07
